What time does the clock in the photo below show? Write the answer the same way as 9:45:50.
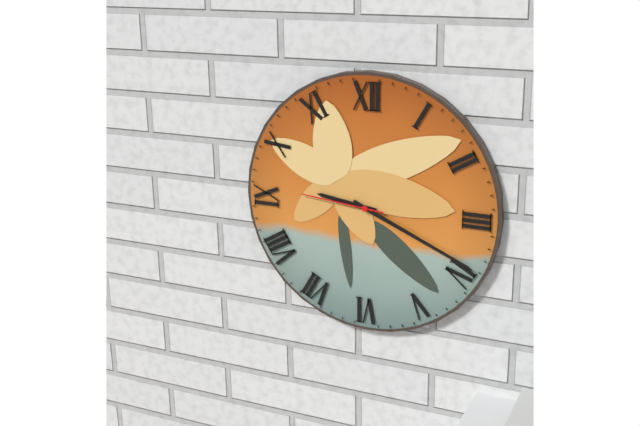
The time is 9:19:46
